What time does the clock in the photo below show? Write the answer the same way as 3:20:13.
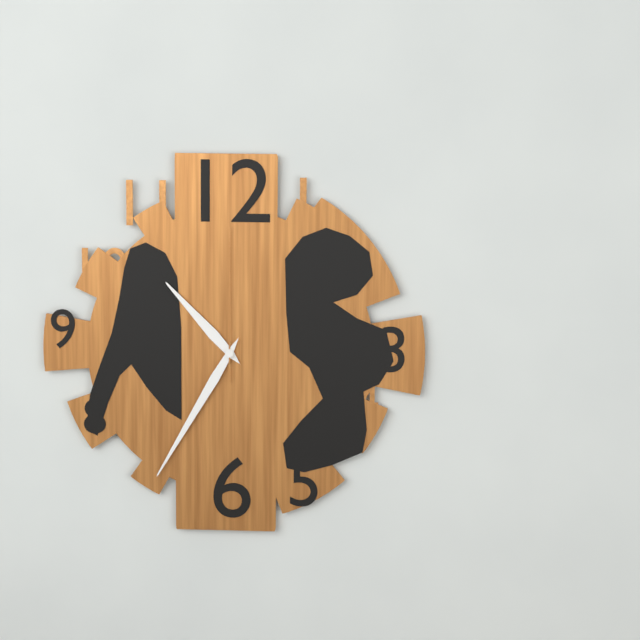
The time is 10:35:00
